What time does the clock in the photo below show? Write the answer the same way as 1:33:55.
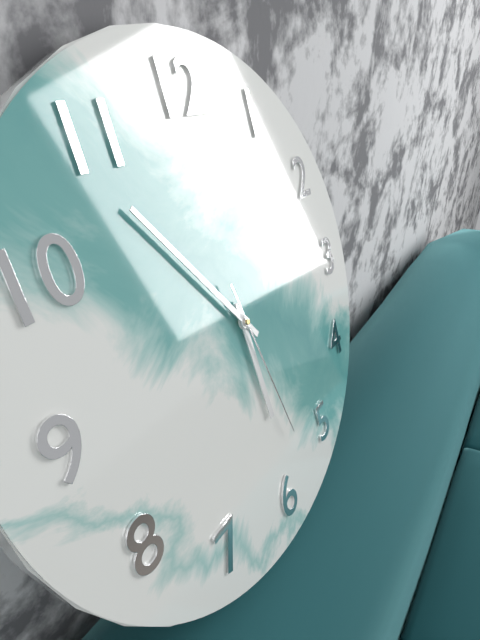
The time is 5:54:28
